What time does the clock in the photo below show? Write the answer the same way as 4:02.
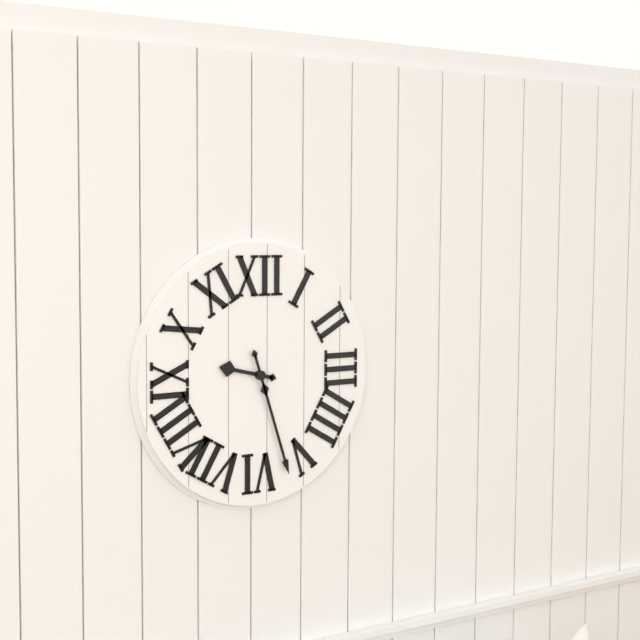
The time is 9:27
